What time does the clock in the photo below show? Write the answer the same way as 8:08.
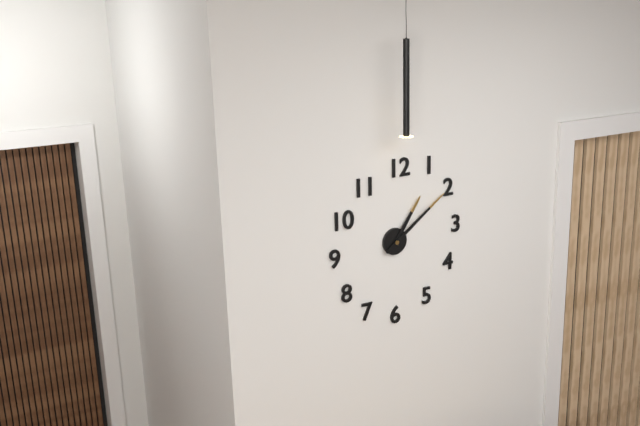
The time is 1:09
